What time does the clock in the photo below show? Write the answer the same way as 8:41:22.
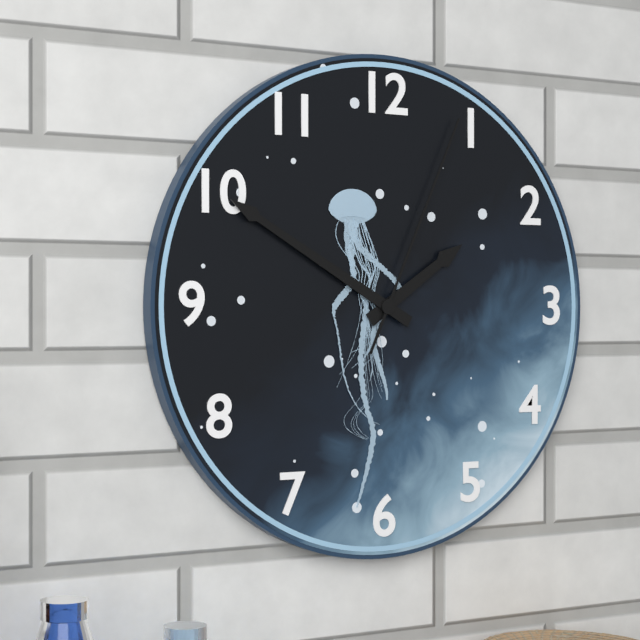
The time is 1:50:04
